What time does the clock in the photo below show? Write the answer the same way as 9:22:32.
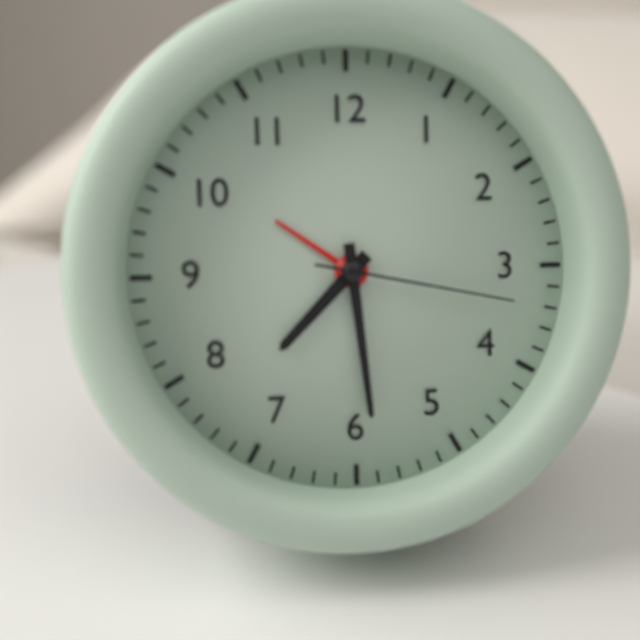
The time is 7:29:17
